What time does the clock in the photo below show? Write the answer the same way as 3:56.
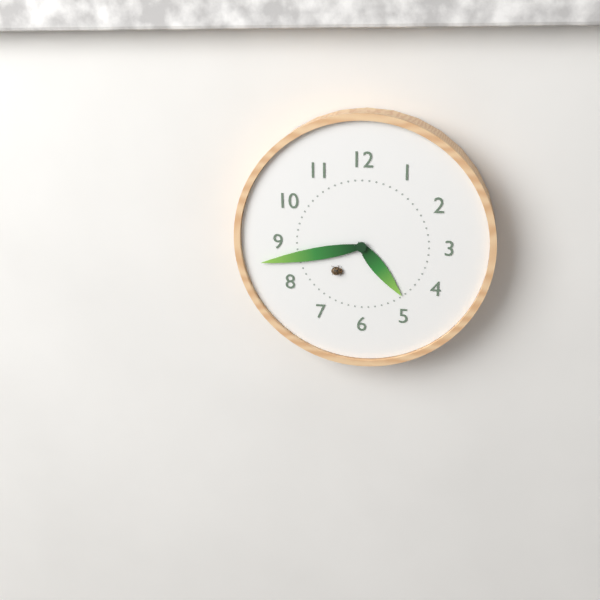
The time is 4:43
